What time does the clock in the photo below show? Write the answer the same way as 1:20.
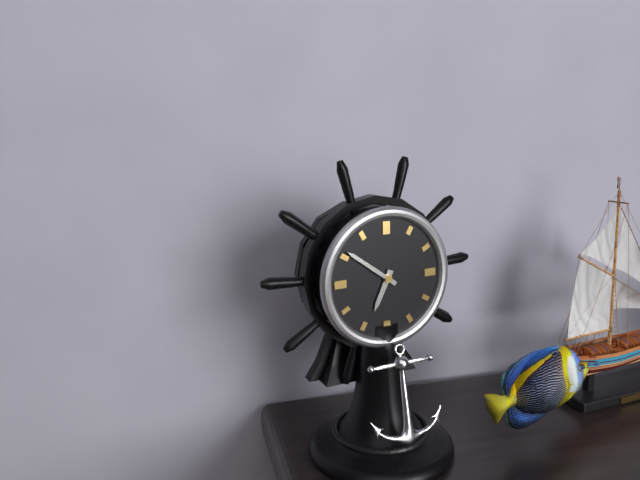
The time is 6:51
